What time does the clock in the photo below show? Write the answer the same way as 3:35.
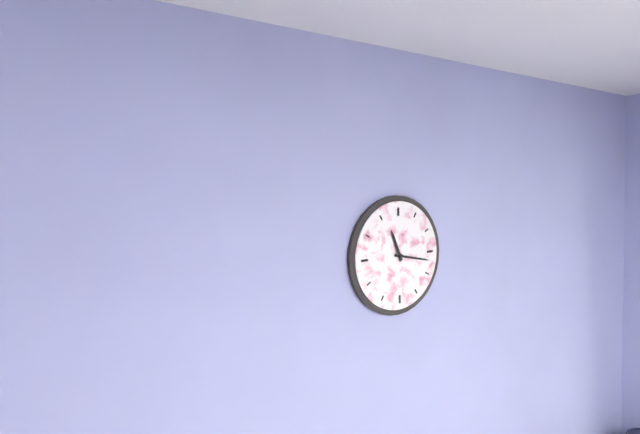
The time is 11:17
